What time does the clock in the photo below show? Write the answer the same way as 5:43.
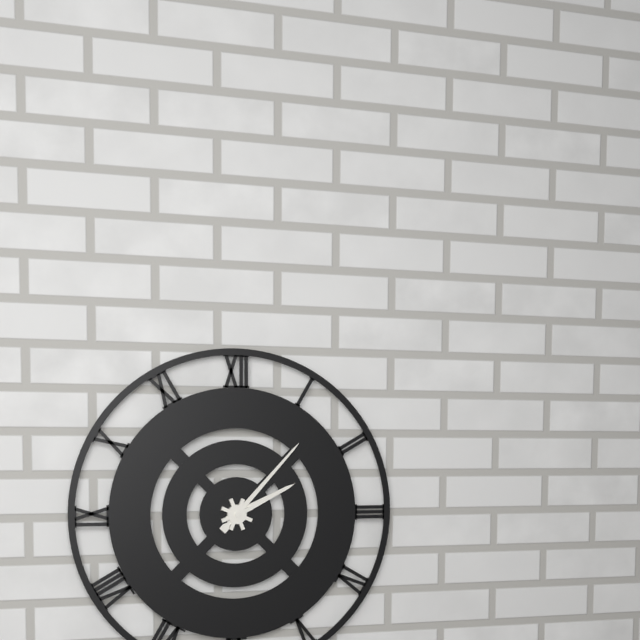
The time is 2:07
